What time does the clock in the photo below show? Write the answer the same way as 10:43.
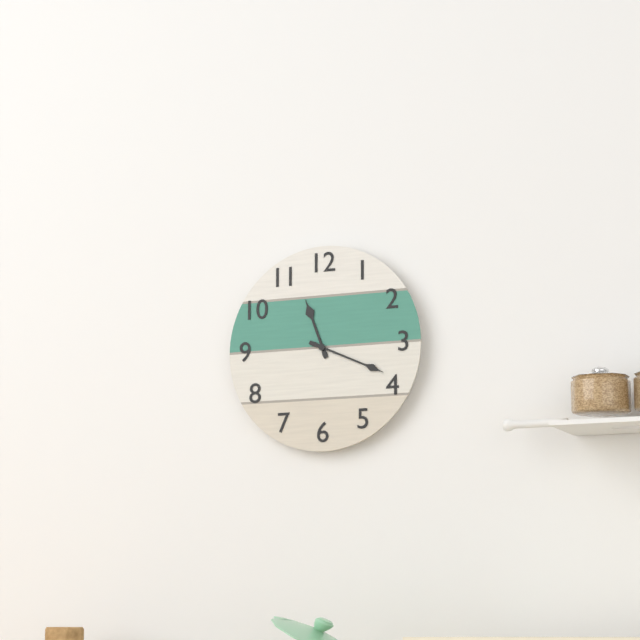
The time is 11:19
